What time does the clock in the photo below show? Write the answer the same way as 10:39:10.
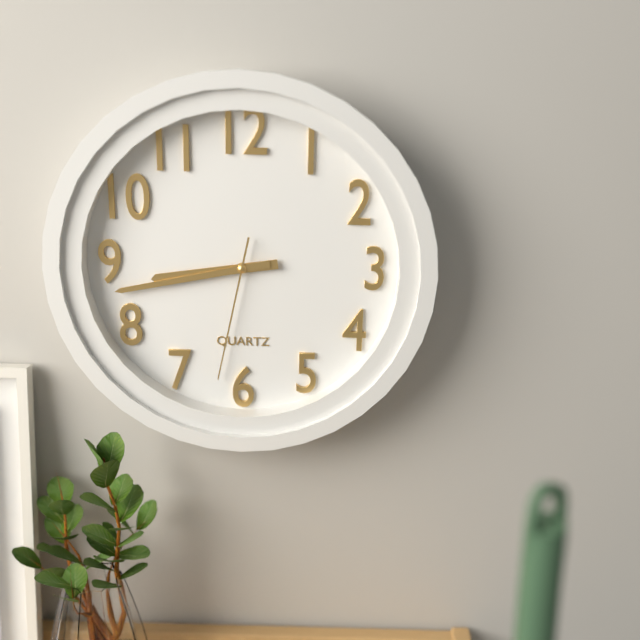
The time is 8:43:32
